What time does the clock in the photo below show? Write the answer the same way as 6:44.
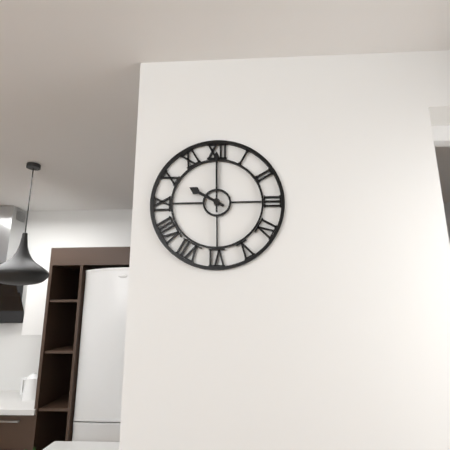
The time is 10:00
